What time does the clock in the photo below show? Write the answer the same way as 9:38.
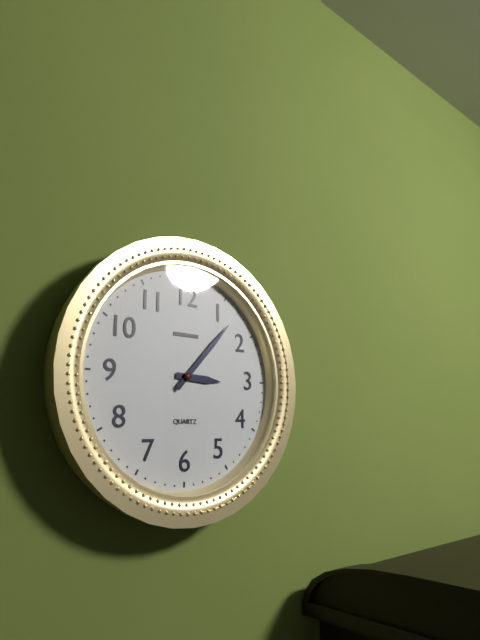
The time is 3:07
